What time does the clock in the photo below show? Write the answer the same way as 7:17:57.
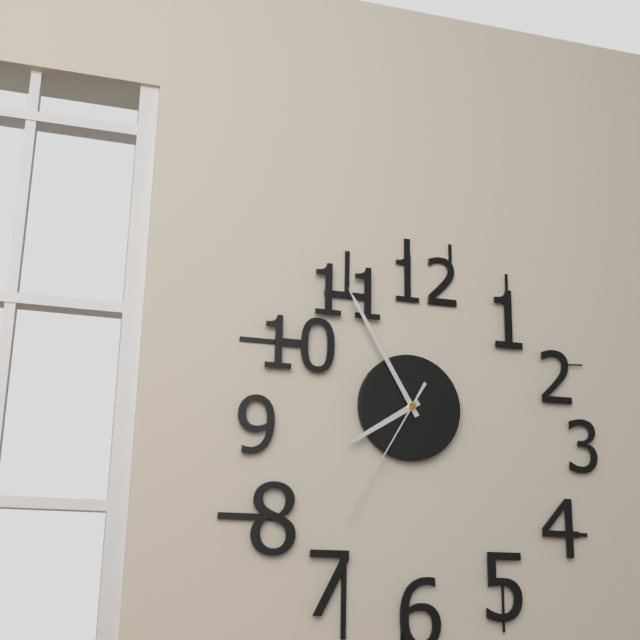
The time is 7:55:35
